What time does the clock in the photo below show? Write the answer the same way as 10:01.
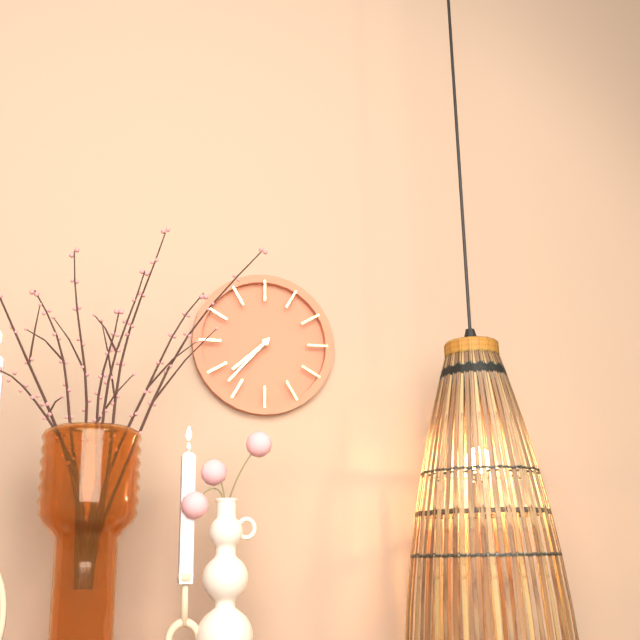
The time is 7:37
